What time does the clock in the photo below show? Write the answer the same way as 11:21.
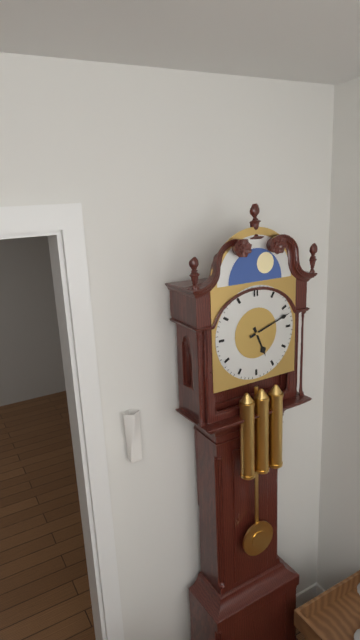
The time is 5:12
